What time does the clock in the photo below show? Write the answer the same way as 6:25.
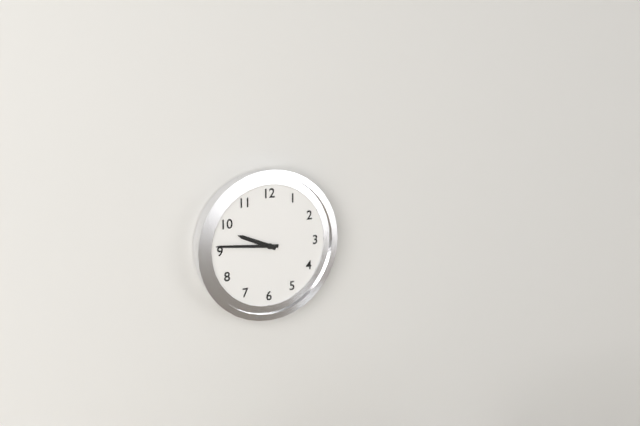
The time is 9:46
